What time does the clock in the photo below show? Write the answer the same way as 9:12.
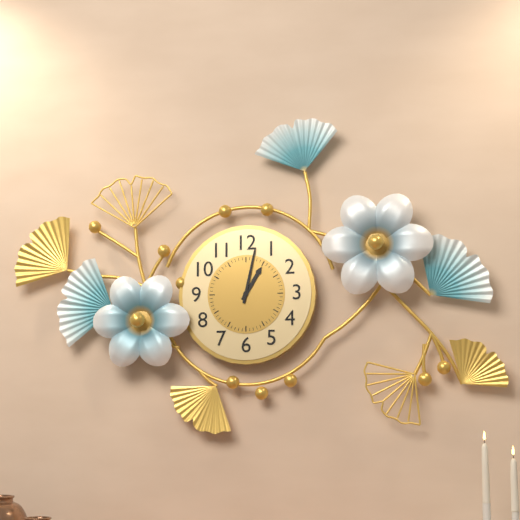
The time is 1:02
